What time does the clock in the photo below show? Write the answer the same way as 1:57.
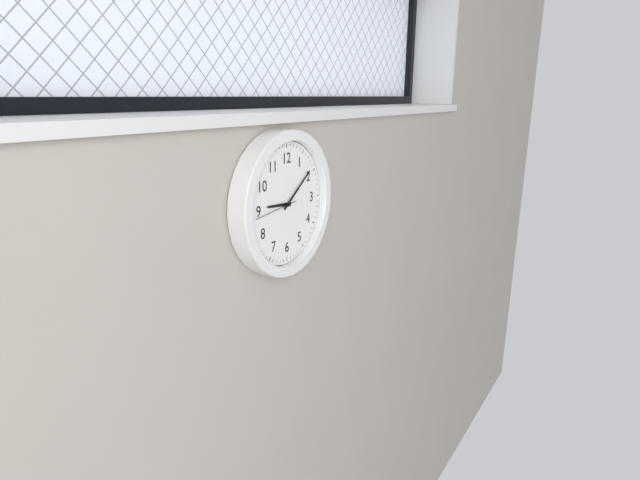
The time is 9:09
